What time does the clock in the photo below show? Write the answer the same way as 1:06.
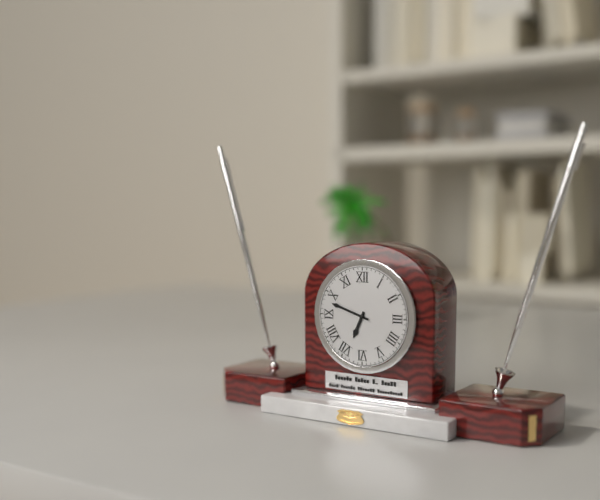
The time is 6:48
